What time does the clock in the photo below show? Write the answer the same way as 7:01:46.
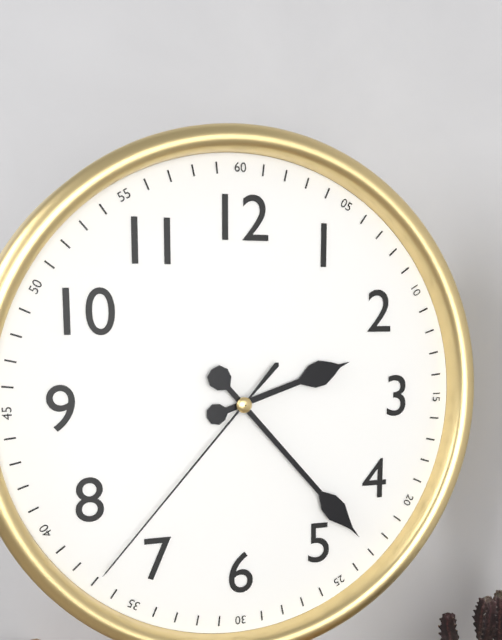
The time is 2:23:37
